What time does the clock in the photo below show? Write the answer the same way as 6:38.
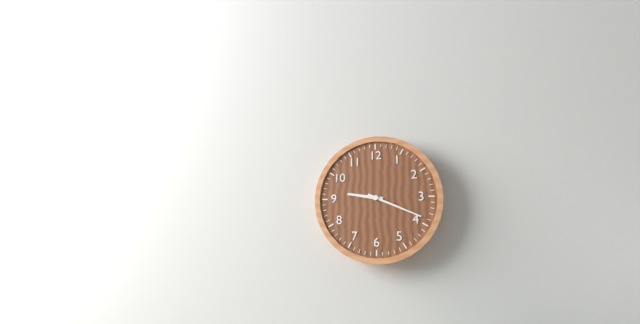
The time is 9:19
